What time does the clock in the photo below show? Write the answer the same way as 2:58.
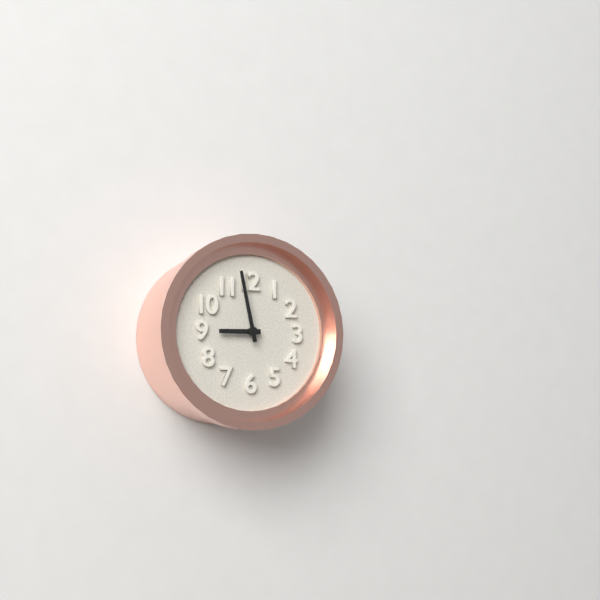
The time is 8:58
